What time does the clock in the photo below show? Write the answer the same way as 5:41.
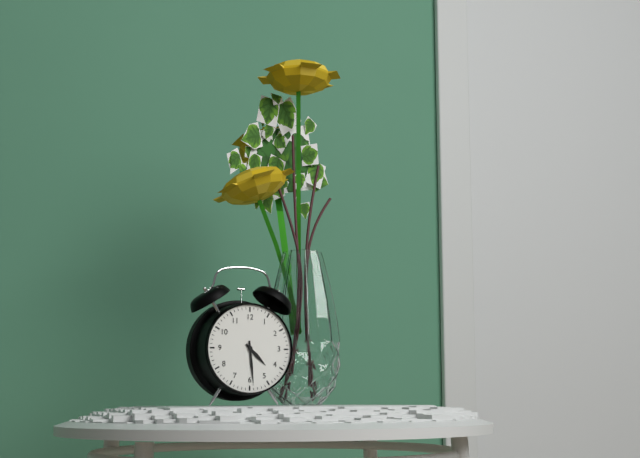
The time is 4:29
